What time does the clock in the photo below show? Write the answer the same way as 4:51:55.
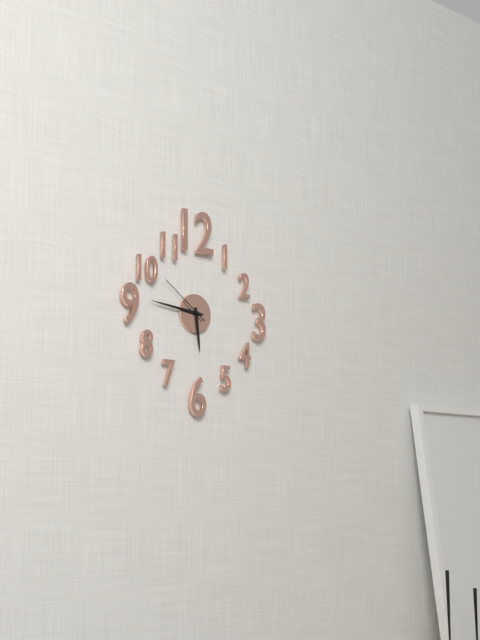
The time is 5:46:51
